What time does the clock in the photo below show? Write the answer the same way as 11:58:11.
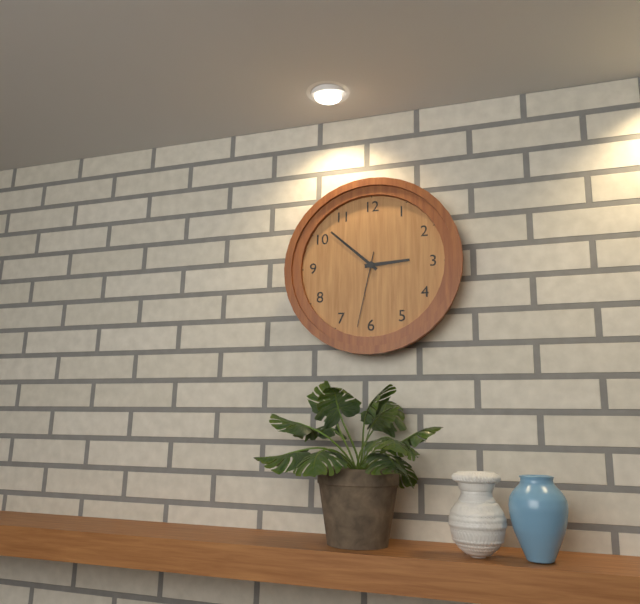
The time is 2:52:32
